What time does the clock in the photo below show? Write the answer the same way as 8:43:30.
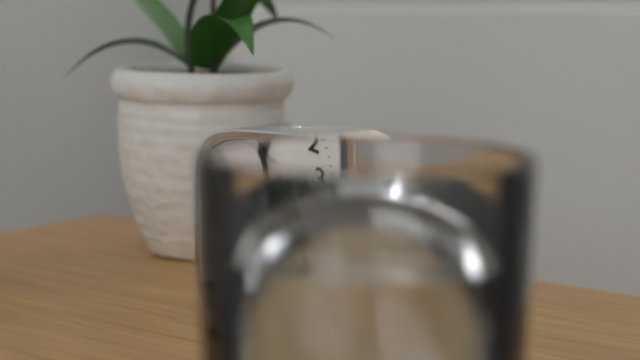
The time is 12:27:45
